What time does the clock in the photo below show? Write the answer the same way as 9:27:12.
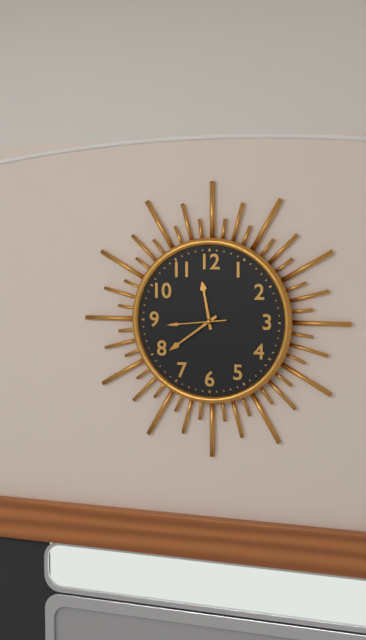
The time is 11:39:44
